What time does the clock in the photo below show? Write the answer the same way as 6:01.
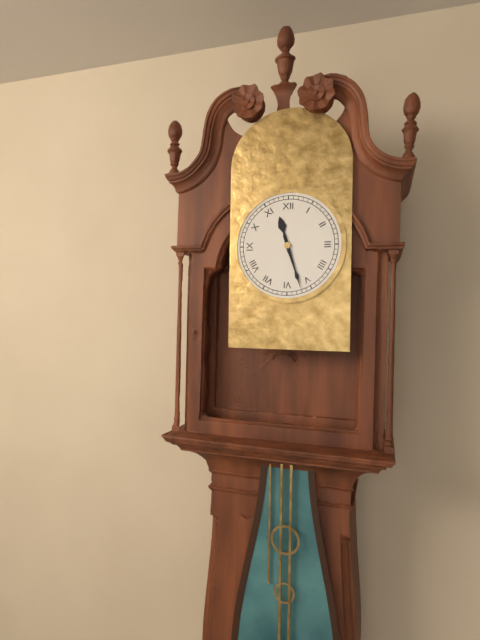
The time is 11:27
